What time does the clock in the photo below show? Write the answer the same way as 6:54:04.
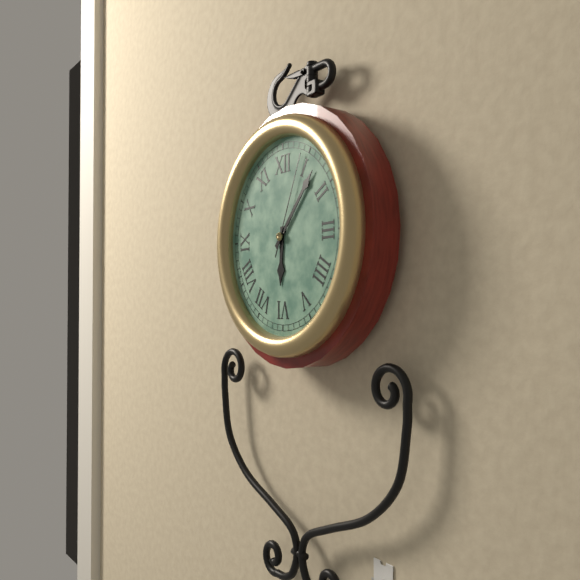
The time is 6:07:04
